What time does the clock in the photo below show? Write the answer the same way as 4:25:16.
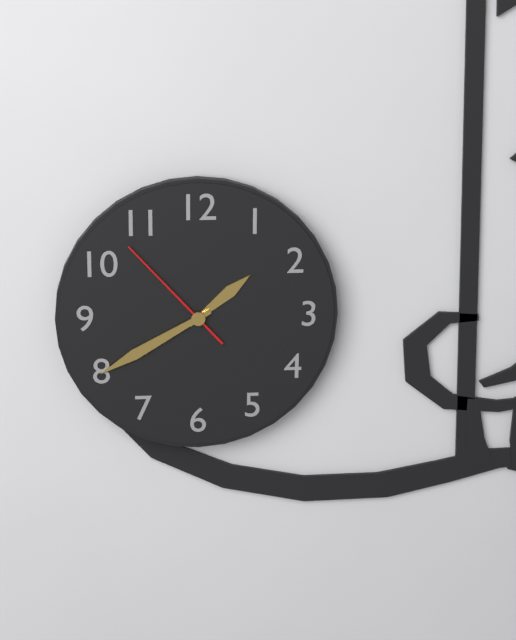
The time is 1:40:53
